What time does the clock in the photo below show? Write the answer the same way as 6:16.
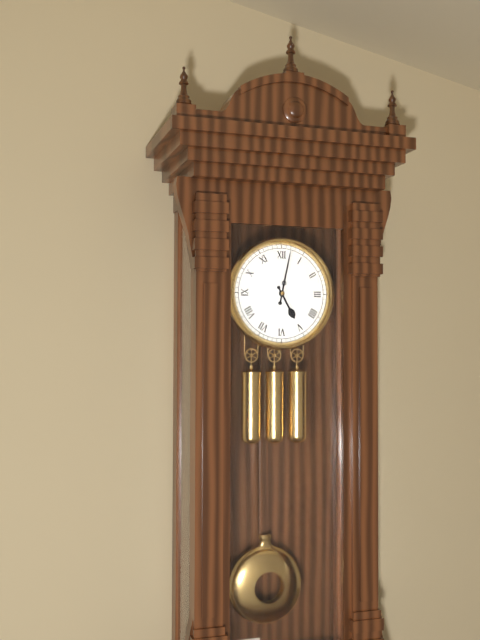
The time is 5:02
